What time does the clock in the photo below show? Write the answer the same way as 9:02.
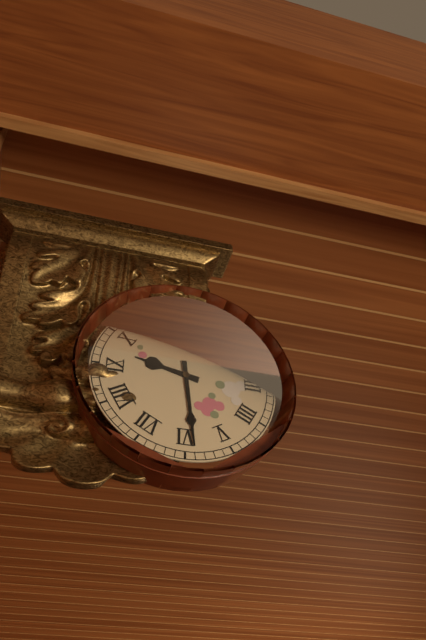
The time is 9:29
